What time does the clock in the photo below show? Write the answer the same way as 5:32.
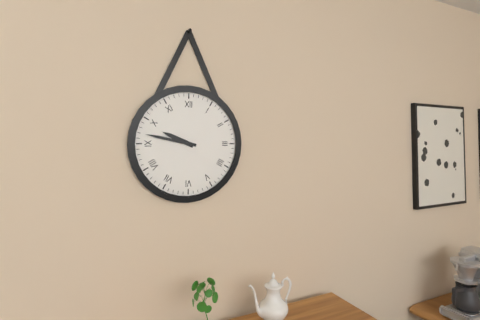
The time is 9:47
